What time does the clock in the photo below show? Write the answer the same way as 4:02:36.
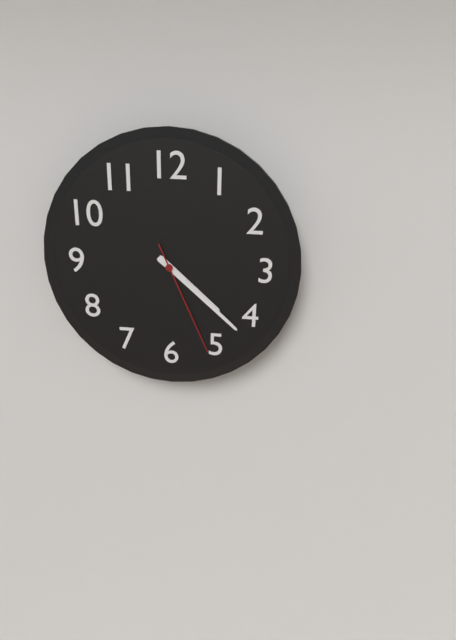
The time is 4:22:26
